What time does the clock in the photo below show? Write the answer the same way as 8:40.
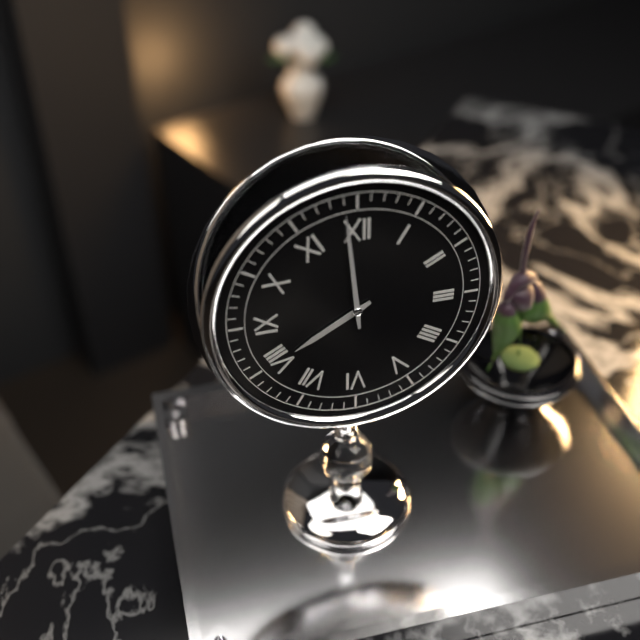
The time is 7:59
